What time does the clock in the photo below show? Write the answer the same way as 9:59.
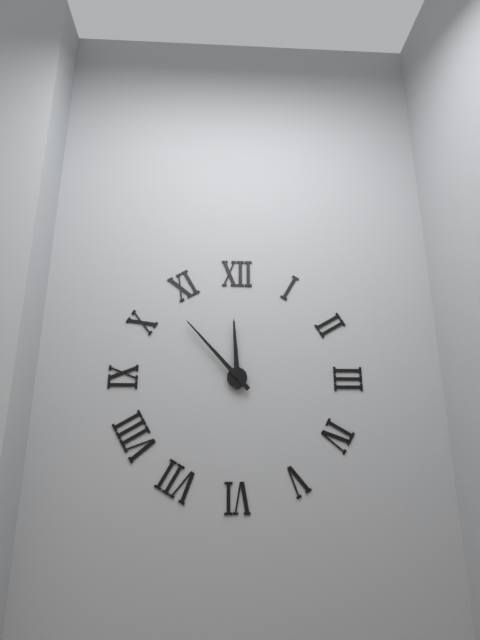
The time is 11:53
